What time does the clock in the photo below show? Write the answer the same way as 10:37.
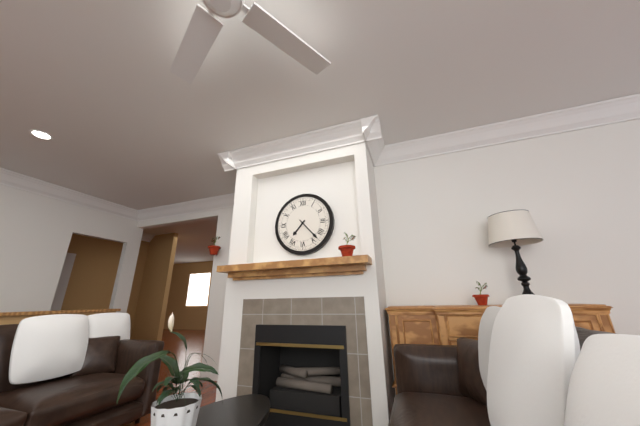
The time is 7:23
